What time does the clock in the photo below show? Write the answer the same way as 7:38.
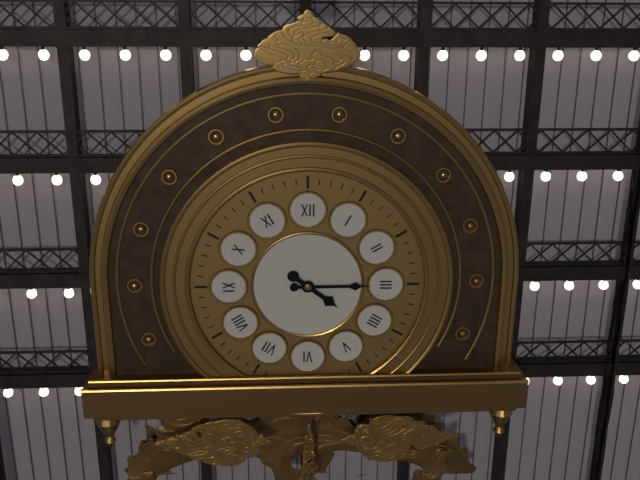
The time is 4:15
